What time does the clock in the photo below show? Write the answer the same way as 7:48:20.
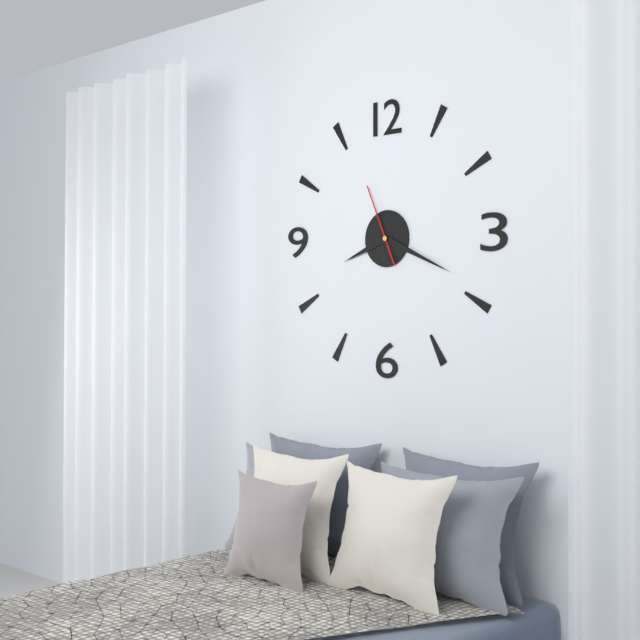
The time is 8:19:56
